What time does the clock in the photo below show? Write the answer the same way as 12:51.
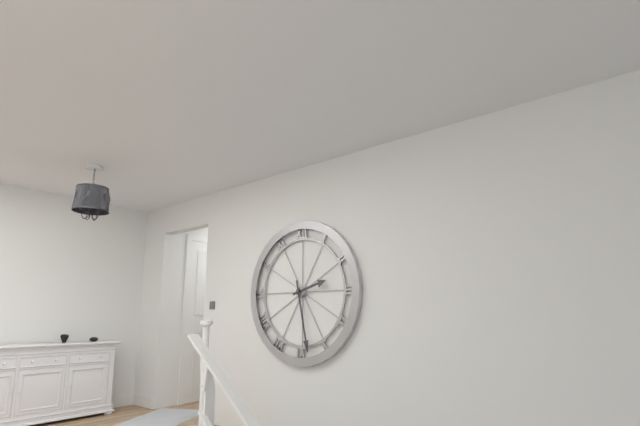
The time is 2:28
